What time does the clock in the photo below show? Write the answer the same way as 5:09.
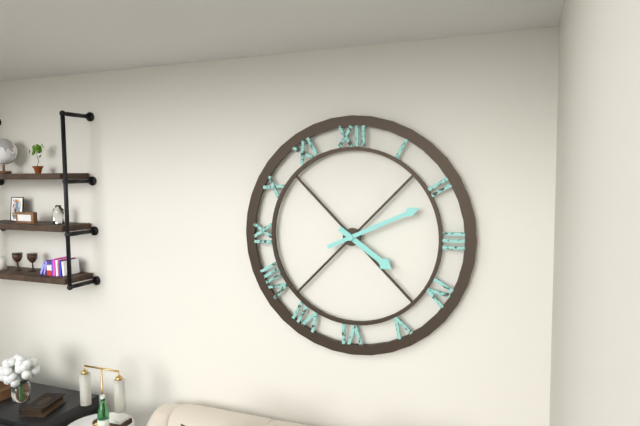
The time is 4:11
